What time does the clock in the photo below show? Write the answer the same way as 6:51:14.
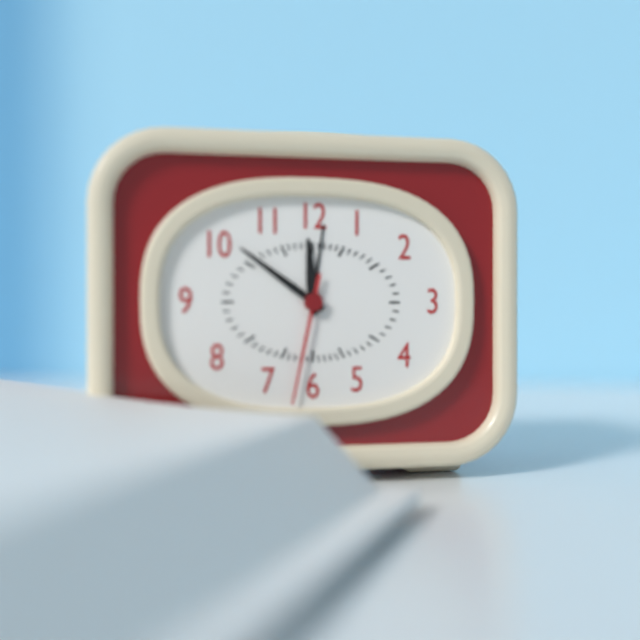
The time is 11:51:32
